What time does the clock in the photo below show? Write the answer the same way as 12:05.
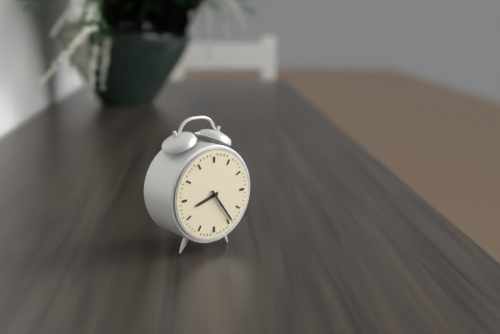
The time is 8:24
